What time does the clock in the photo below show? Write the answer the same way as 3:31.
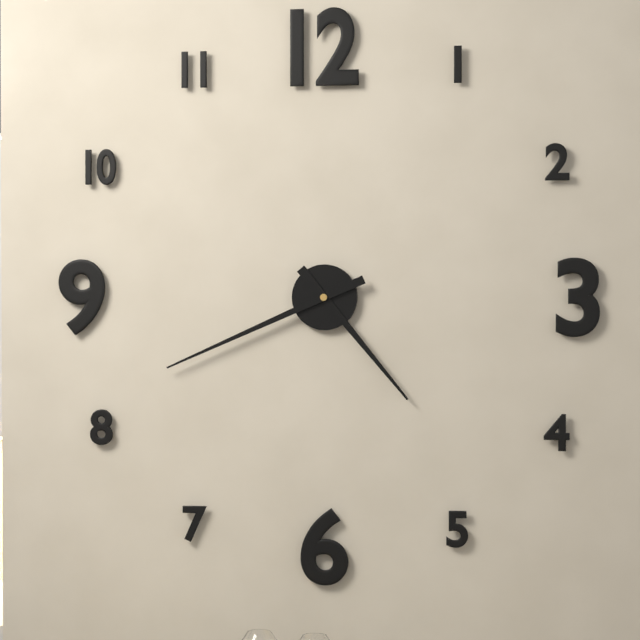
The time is 4:41
